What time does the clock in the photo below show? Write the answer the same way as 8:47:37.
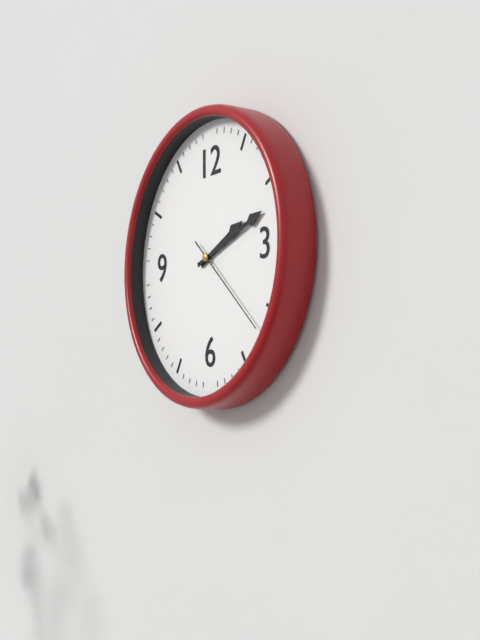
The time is 2:12:22
